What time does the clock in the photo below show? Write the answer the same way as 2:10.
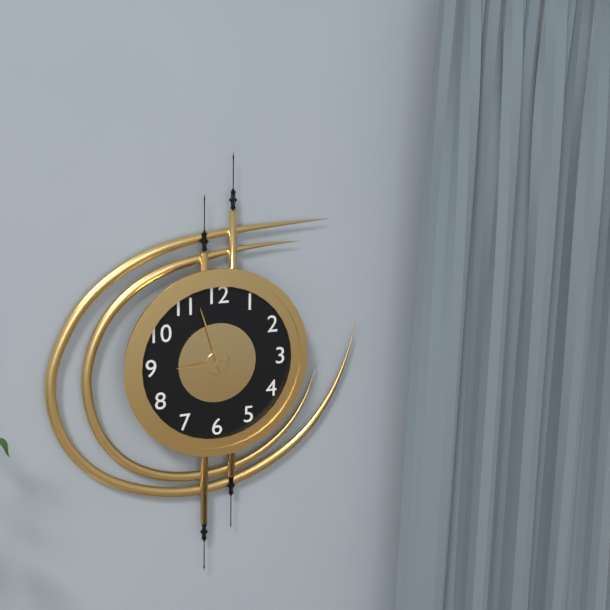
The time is 8:57
